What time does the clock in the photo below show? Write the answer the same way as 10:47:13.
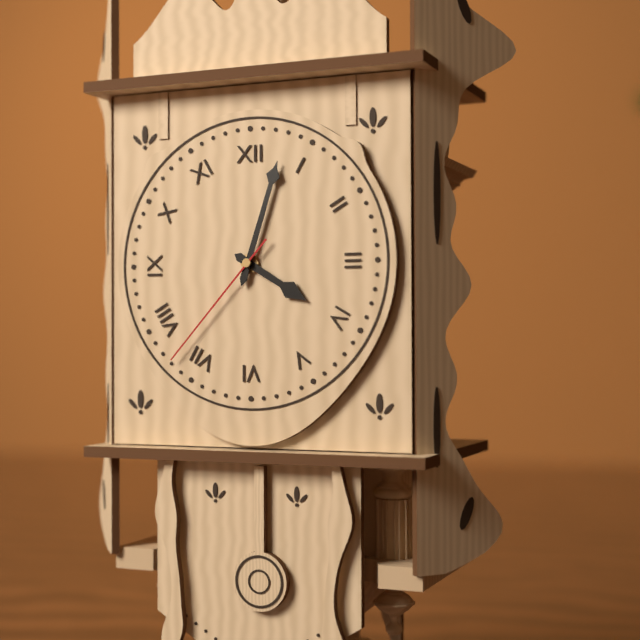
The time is 4:03:37
